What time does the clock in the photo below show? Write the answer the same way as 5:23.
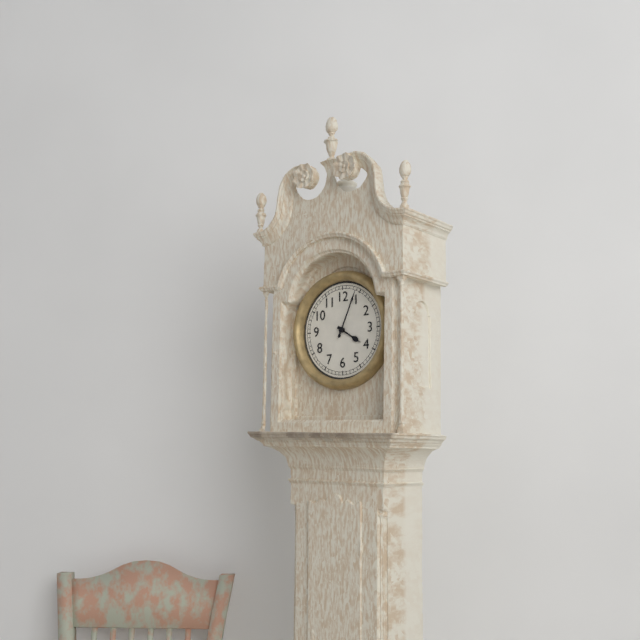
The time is 4:04
